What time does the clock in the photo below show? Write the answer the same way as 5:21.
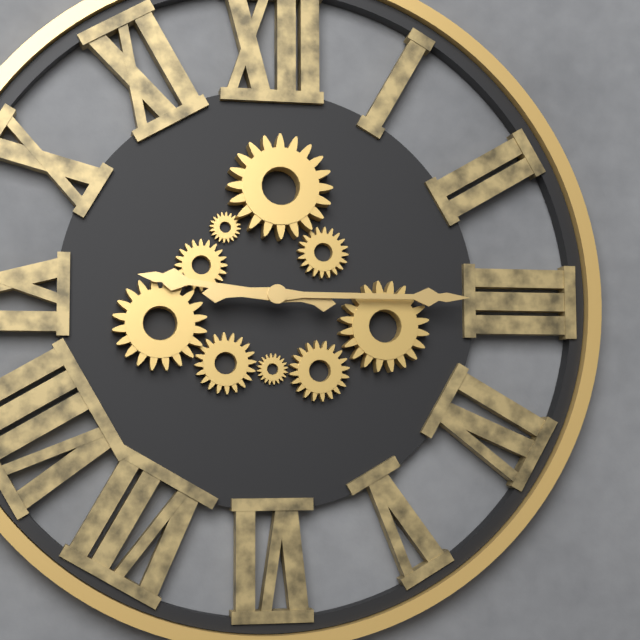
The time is 9:15
